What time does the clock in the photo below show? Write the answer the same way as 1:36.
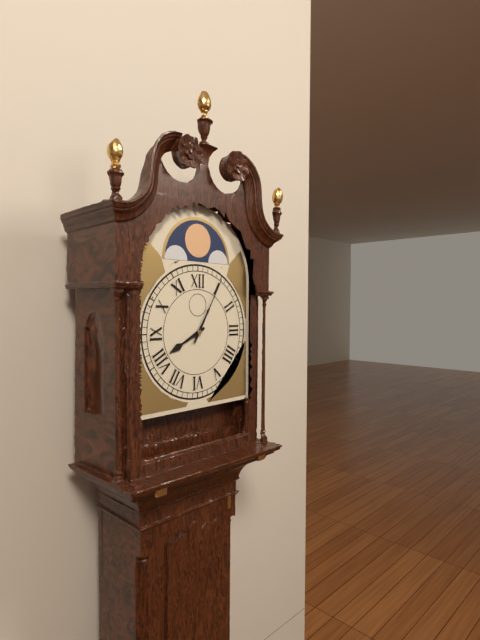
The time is 8:05
